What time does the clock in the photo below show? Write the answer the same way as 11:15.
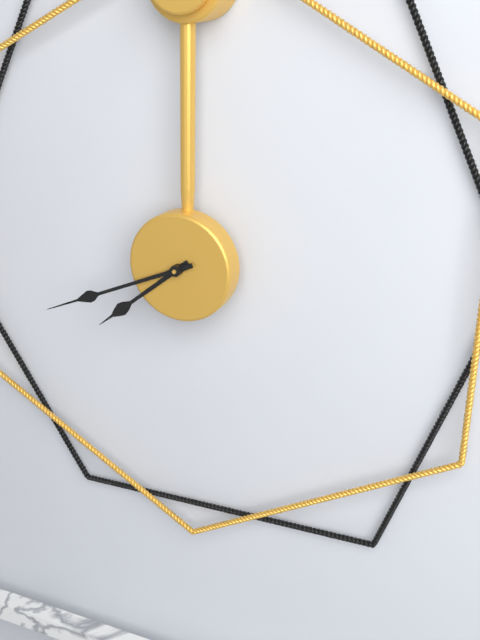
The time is 7:41
